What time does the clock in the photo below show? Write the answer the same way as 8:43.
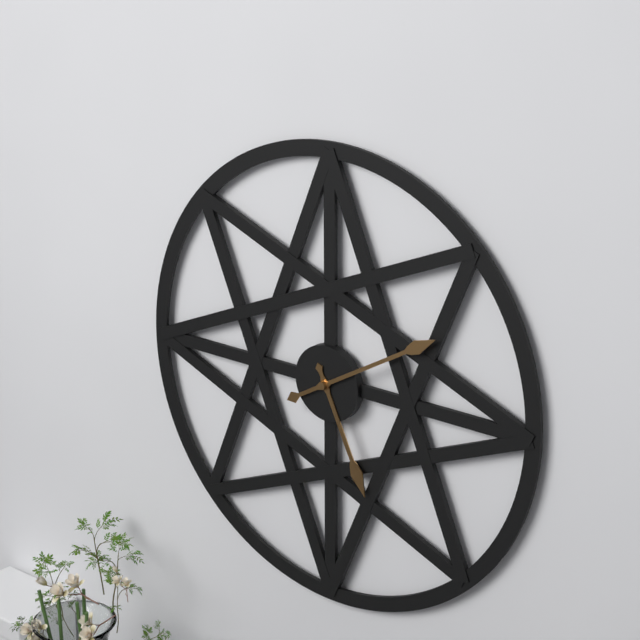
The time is 5:10
